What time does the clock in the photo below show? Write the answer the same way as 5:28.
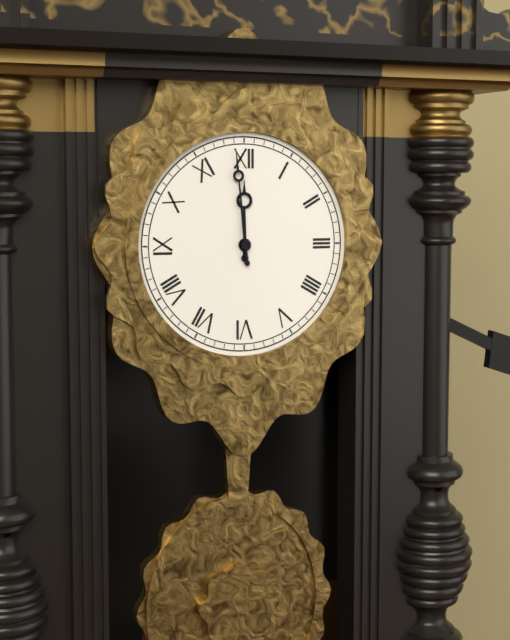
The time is 11:59
